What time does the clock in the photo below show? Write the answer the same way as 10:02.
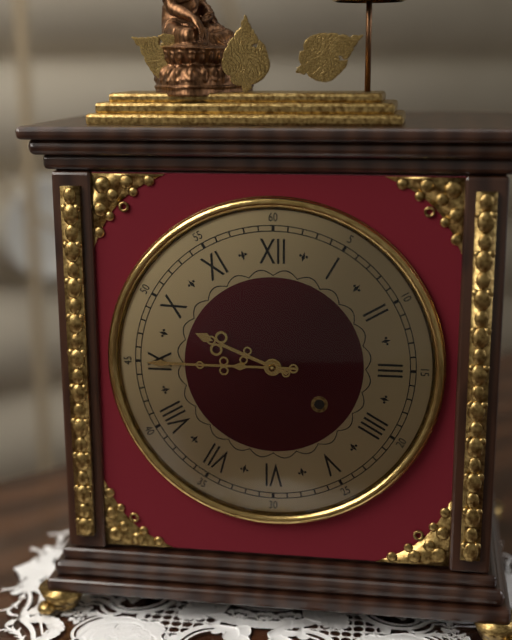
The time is 9:45
